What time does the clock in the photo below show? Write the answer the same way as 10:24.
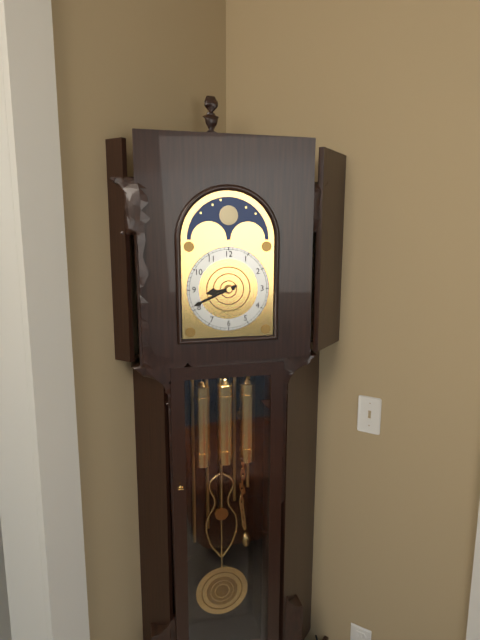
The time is 8:41
